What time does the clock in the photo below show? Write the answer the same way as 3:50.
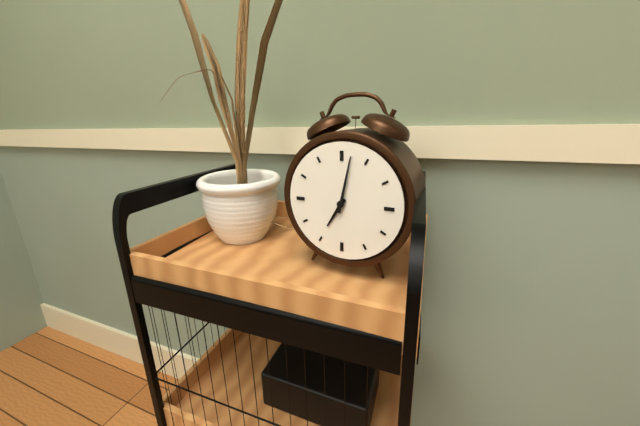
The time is 7:02
